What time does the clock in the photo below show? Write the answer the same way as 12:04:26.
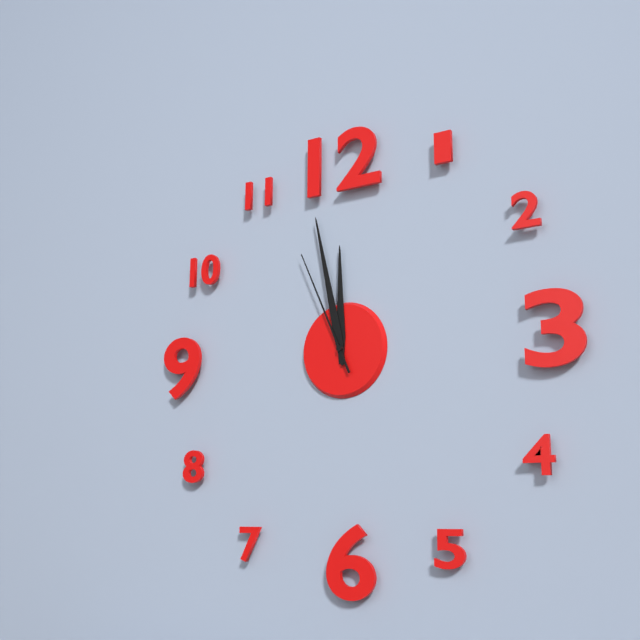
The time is 11:58:56
